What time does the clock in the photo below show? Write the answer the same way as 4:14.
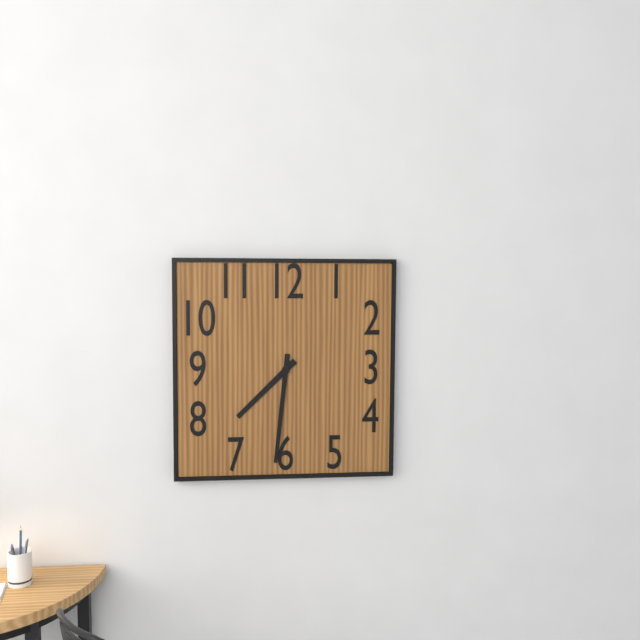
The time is 7:31
